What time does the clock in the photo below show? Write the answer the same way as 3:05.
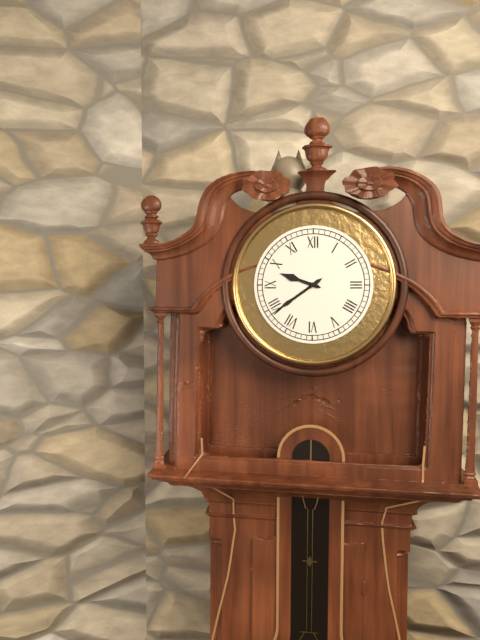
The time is 9:39
